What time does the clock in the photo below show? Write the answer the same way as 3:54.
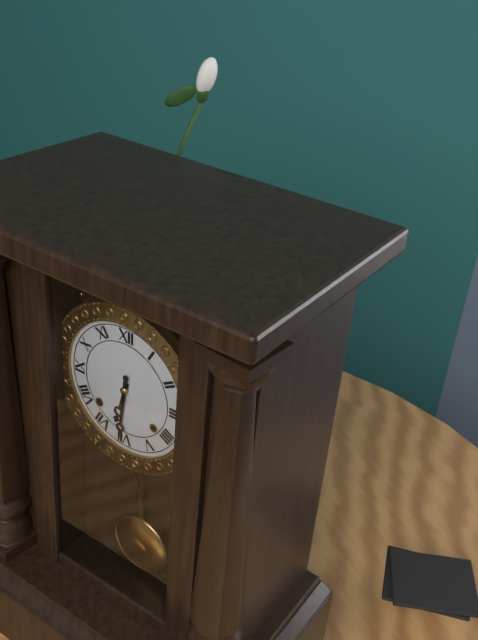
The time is 6:31
